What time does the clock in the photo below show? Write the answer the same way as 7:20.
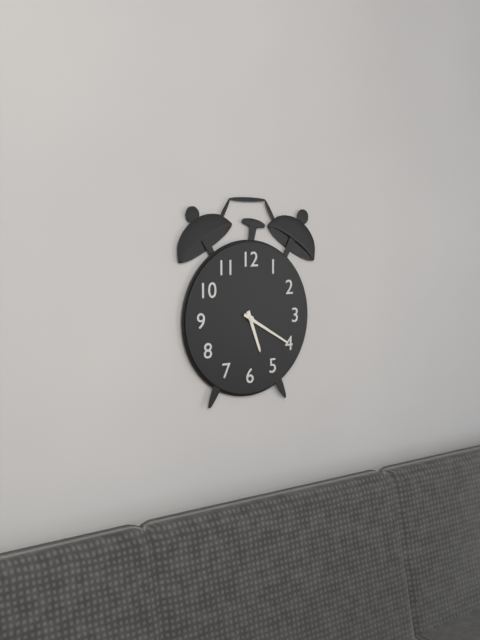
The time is 5:20
